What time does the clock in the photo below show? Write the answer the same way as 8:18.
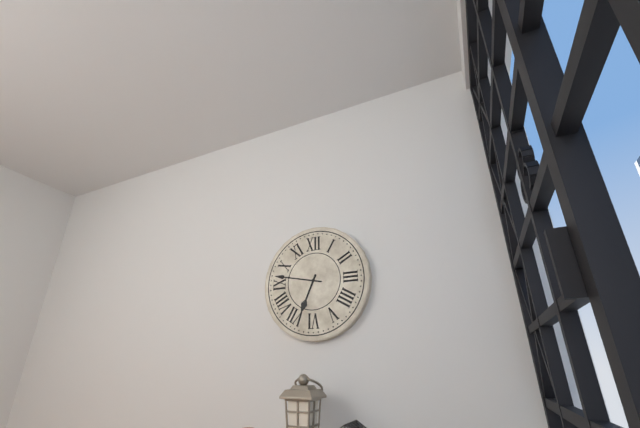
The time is 6:47
